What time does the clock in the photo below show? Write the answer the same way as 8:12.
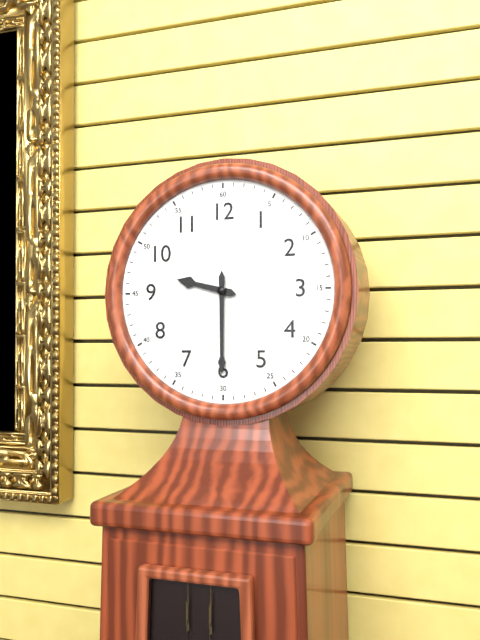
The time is 9:30
